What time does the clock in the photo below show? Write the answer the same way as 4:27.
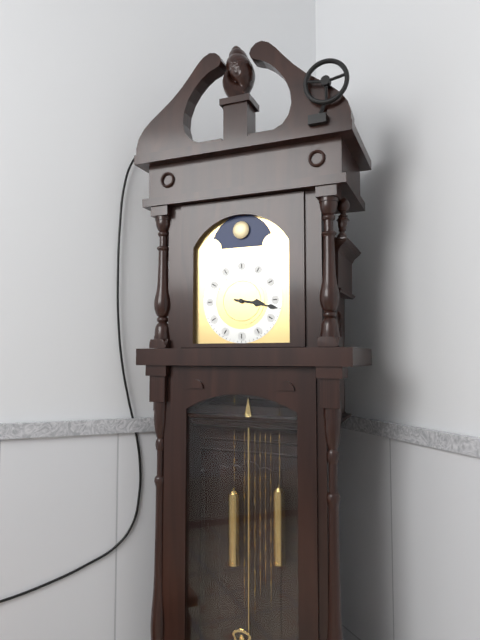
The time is 3:17
